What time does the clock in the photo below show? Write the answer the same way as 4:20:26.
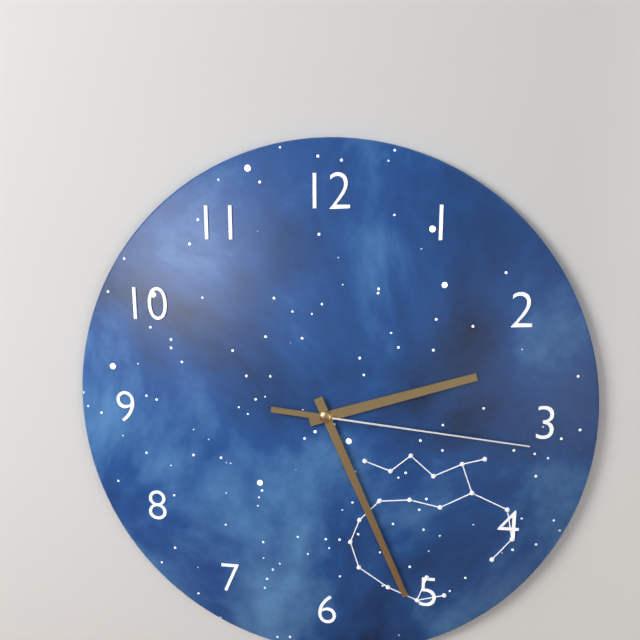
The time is 2:26:16
